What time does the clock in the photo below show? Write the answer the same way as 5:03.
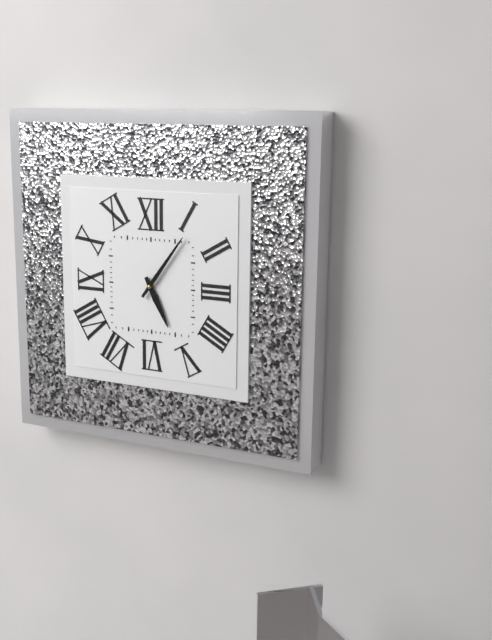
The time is 5:06
